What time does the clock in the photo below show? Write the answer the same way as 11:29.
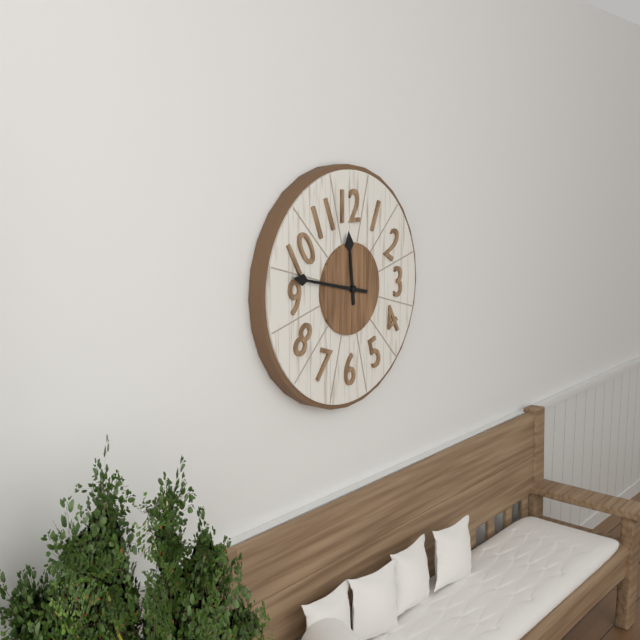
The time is 11:47
